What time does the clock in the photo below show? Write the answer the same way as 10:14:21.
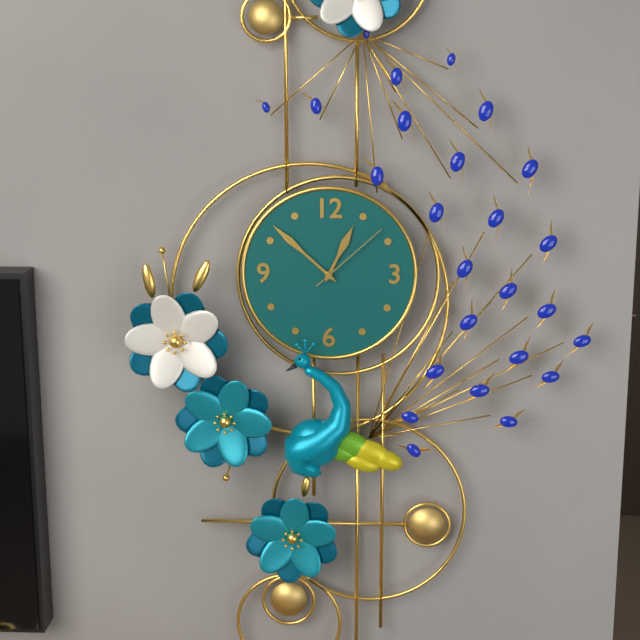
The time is 12:52:08
